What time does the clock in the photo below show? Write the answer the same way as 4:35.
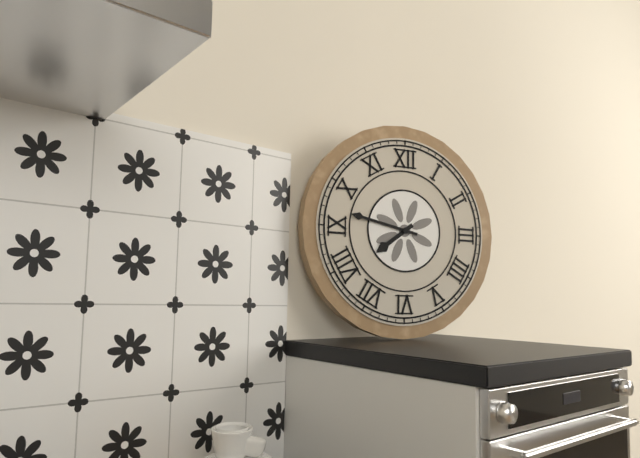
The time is 7:47
